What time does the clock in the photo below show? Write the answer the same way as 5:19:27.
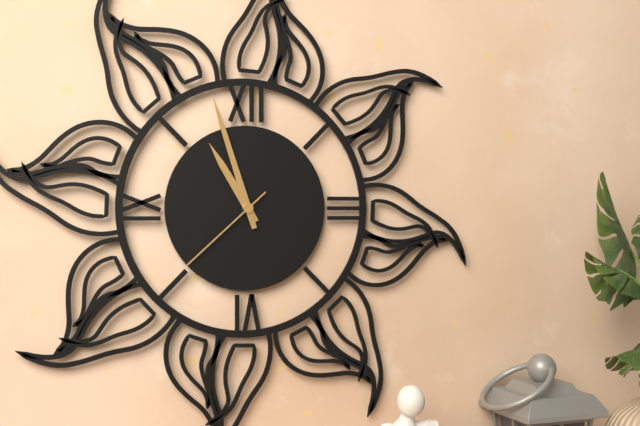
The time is 10:57:38
